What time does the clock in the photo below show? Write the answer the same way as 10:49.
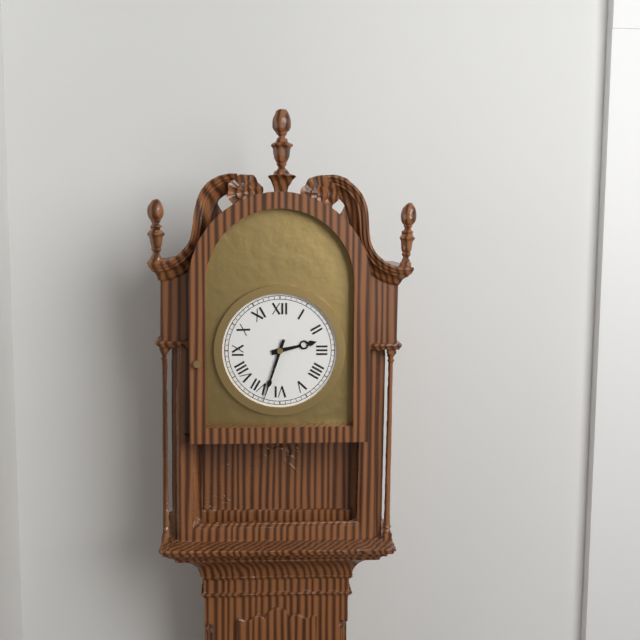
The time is 2:33
